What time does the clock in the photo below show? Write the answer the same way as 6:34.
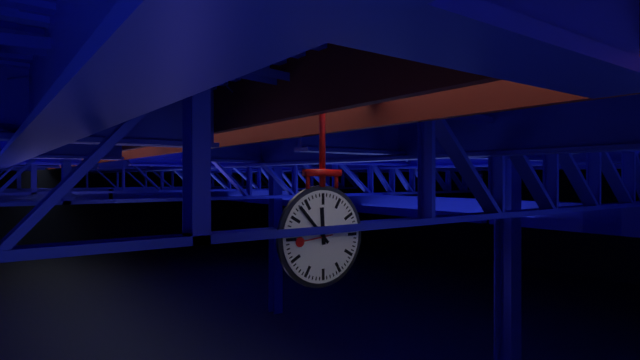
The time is 11:53
